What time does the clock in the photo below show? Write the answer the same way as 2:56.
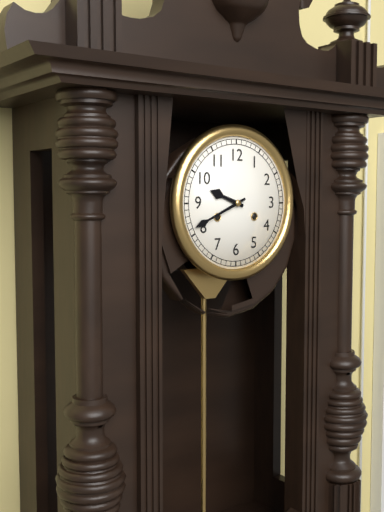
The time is 9:41
